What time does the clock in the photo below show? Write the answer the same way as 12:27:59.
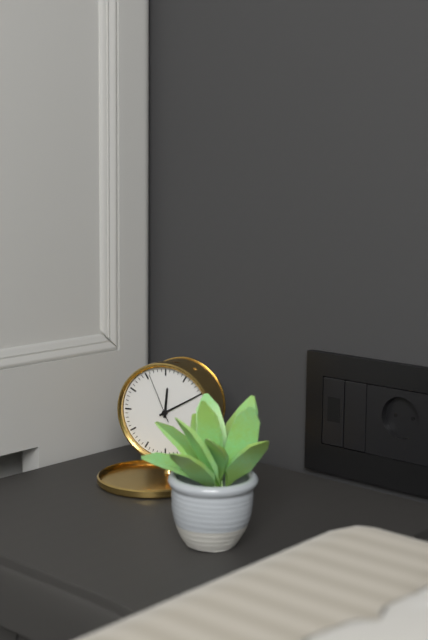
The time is 12:10:56
